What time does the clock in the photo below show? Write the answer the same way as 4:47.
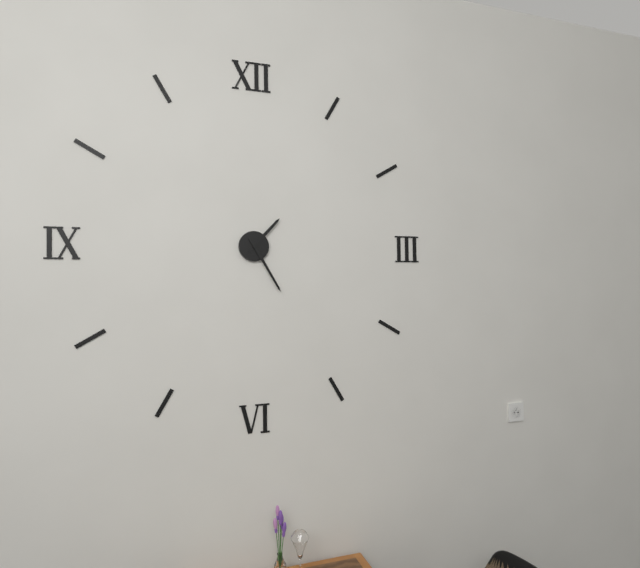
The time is 1:25
